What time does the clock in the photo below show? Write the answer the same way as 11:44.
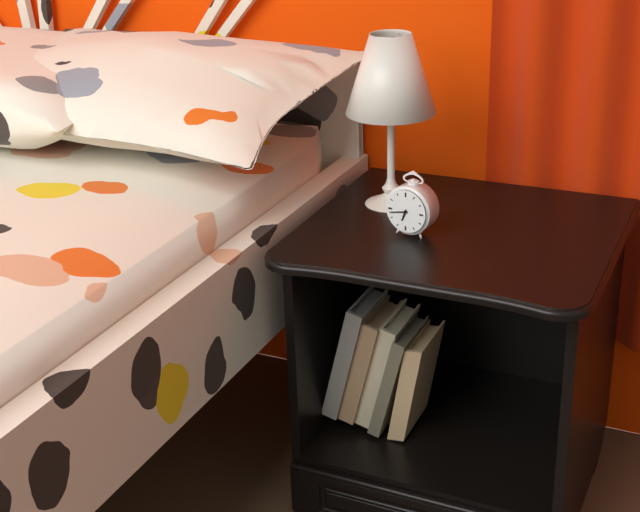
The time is 6:43
